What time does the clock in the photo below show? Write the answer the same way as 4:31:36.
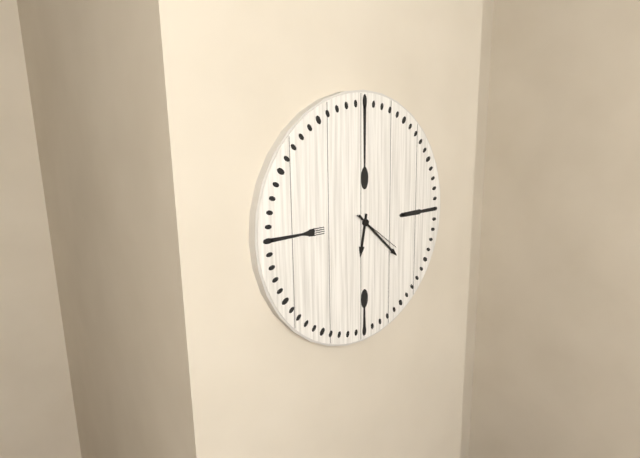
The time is 6:22:21
